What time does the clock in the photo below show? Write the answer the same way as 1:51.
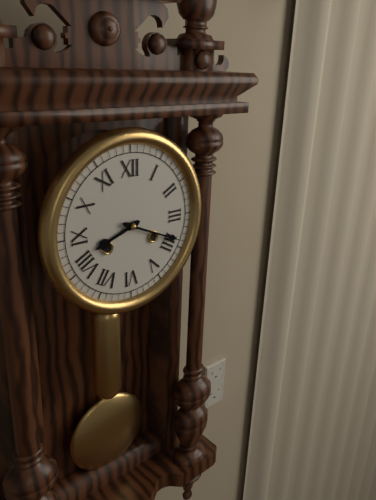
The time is 8:19
